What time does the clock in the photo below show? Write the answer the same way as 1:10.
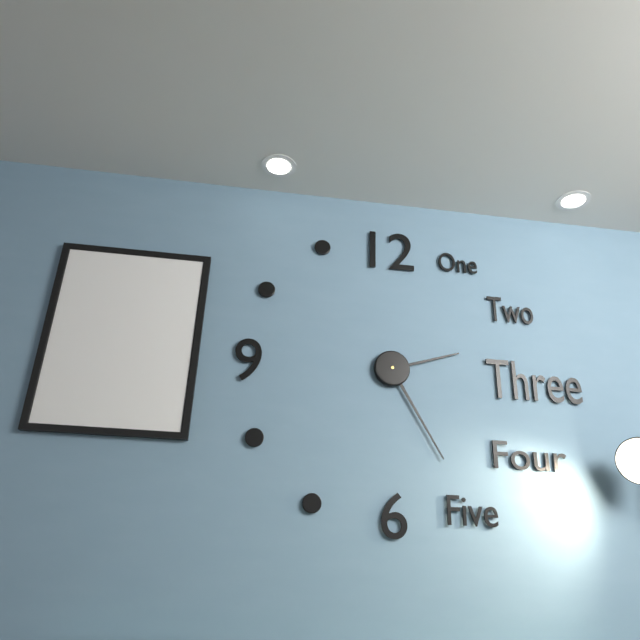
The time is 2:25
